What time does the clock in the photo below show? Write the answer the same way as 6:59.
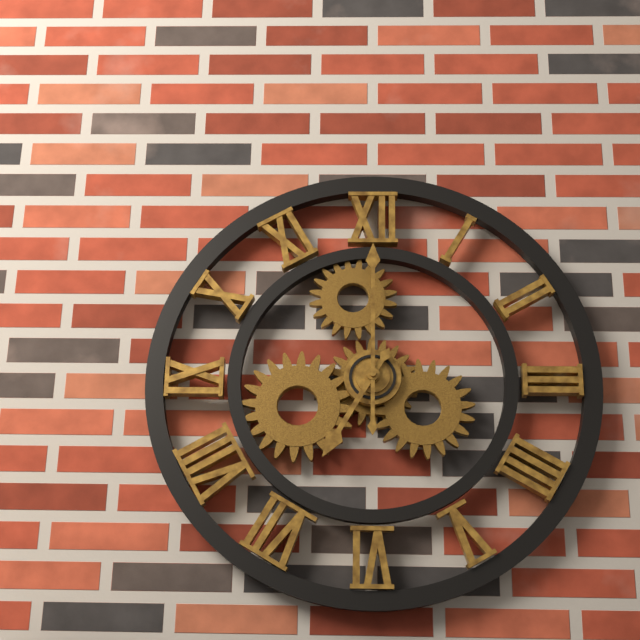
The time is 7:00
